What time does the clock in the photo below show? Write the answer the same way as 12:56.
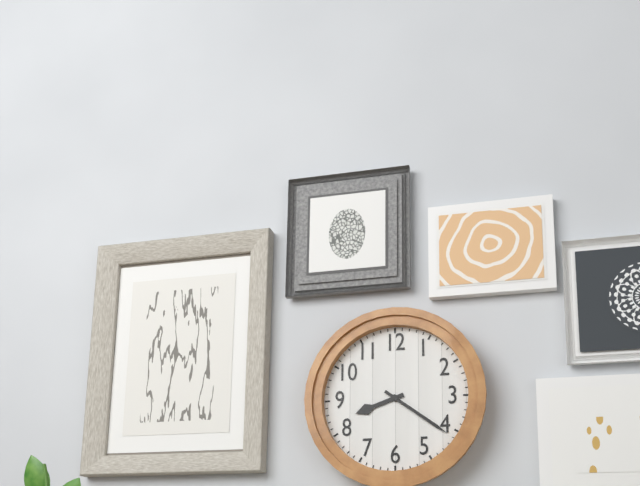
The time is 8:21
